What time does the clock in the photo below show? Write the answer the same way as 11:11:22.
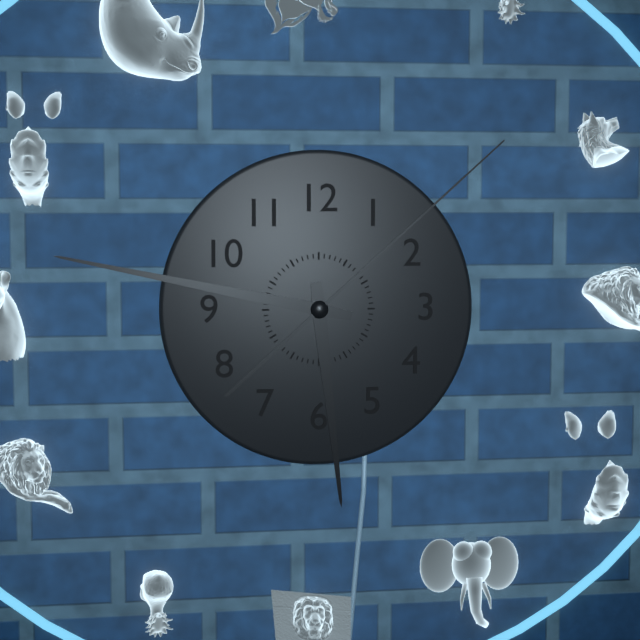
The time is 5:47:08
